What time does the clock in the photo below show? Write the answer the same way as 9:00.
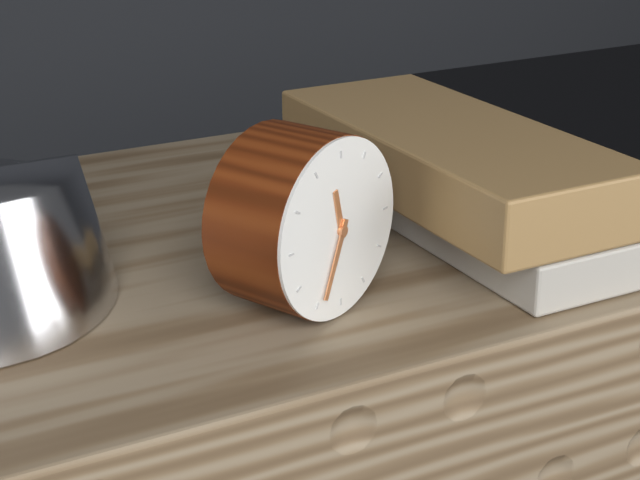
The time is 11:34
